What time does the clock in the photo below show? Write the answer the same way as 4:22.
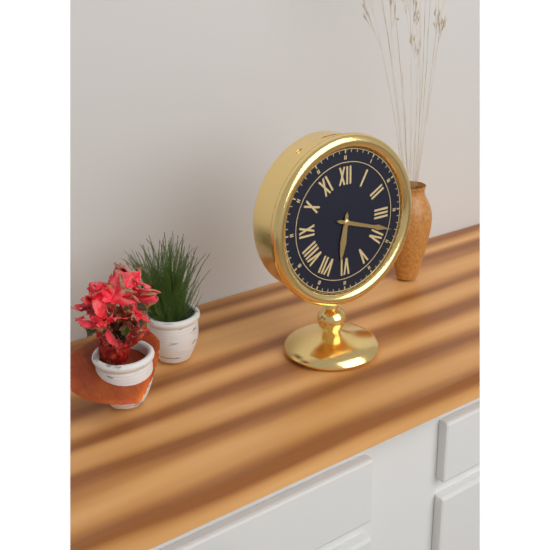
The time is 6:18
